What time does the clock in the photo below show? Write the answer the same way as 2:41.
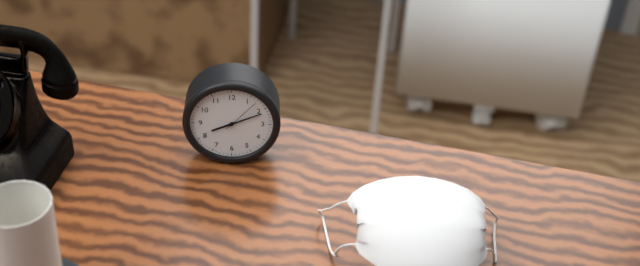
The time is 8:11
